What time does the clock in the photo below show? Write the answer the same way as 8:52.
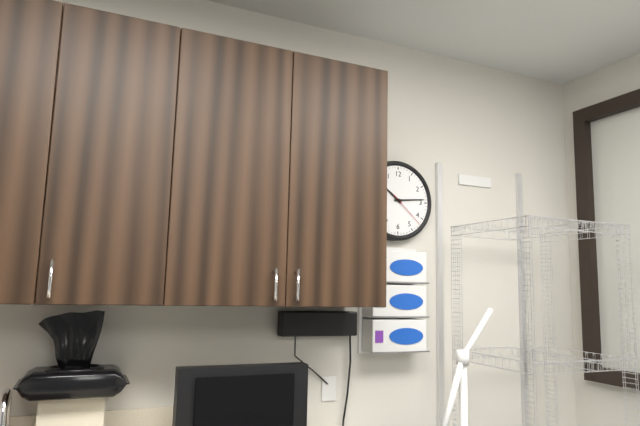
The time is 10:14
